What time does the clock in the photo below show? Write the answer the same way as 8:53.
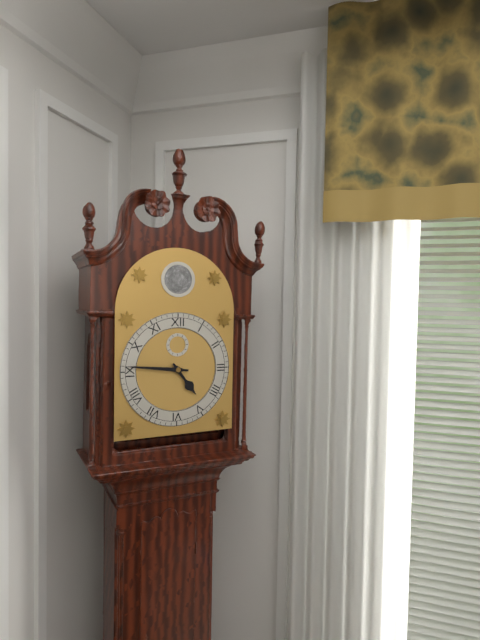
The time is 4:46
